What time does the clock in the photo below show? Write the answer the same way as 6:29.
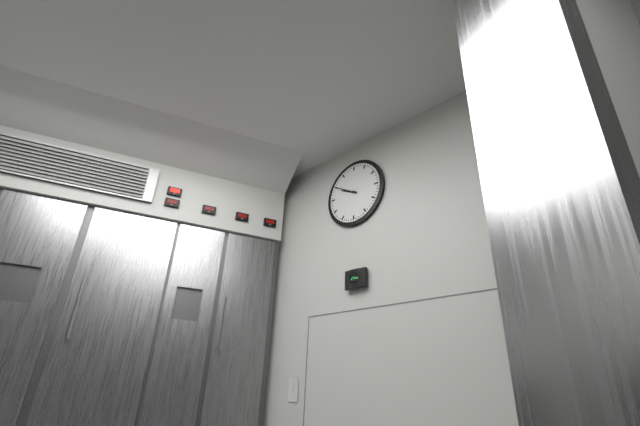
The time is 9:50
